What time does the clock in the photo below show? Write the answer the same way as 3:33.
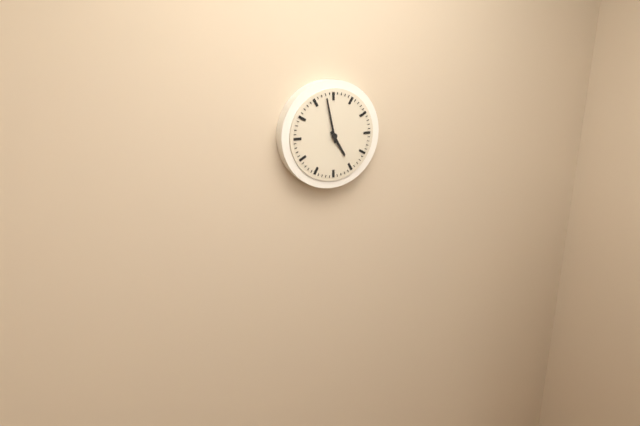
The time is 4:58
